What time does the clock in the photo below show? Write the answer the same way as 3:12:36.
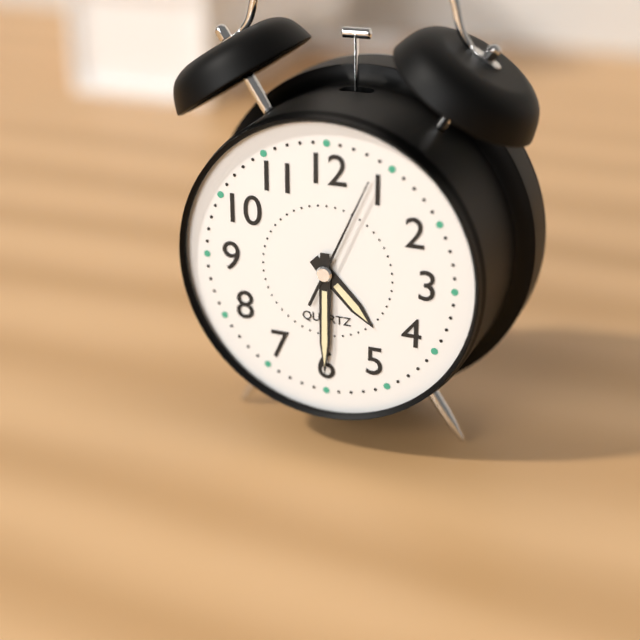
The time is 4:30:04
